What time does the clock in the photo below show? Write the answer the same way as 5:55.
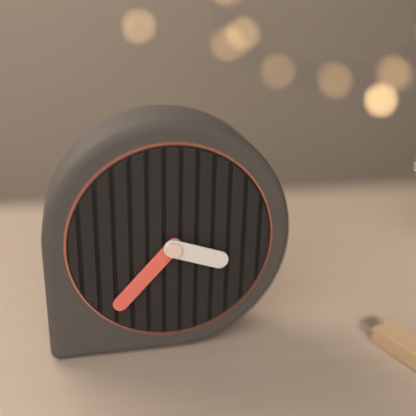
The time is 3:37
